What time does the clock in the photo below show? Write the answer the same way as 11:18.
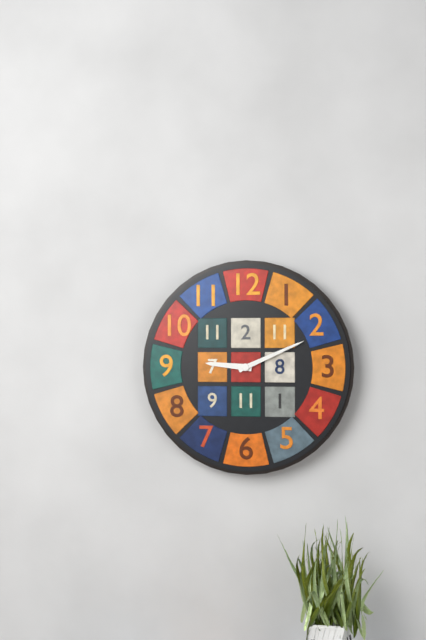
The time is 9:11
